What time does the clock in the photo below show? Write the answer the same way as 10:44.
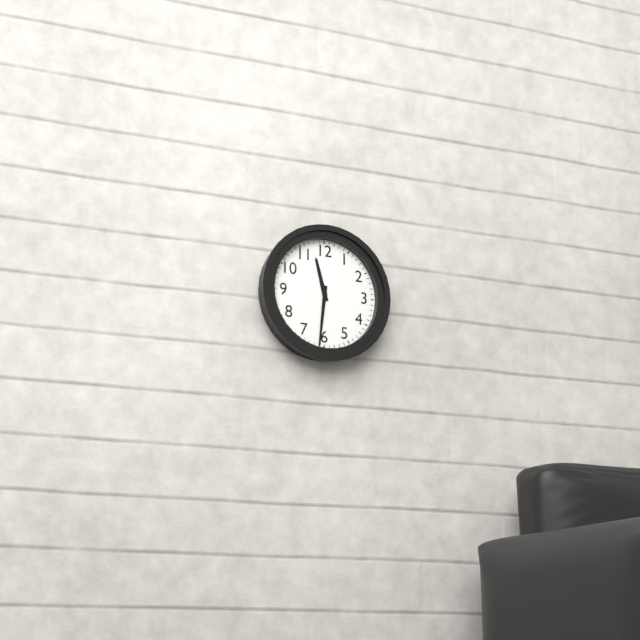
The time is 11:31
